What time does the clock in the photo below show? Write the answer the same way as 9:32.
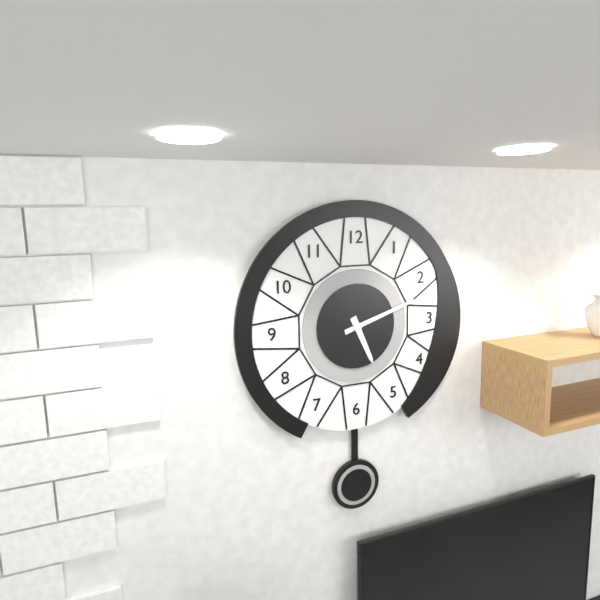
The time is 5:12
